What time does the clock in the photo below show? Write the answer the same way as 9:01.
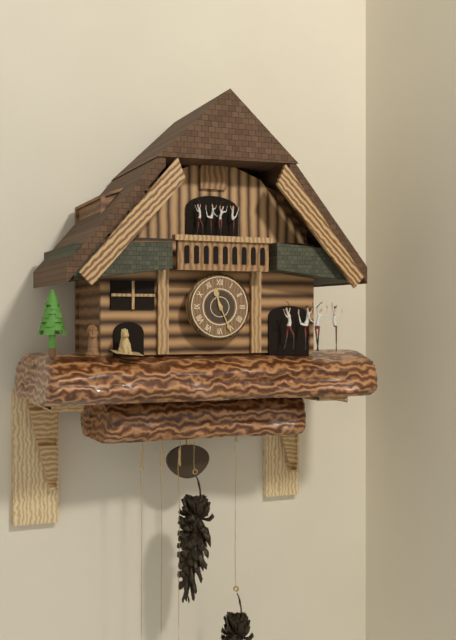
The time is 11:26
